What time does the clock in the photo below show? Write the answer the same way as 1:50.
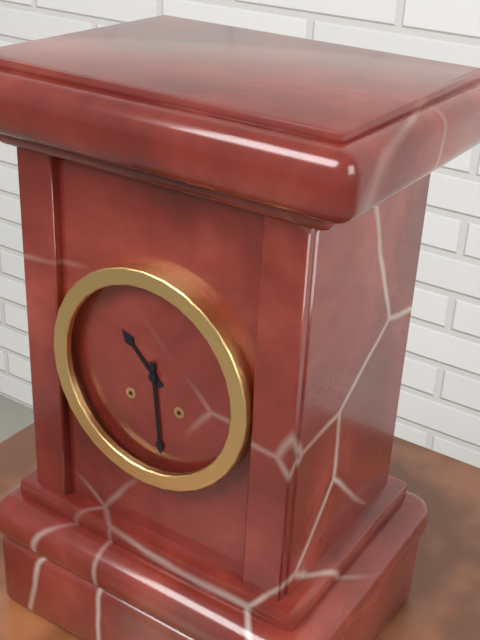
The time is 10:29
